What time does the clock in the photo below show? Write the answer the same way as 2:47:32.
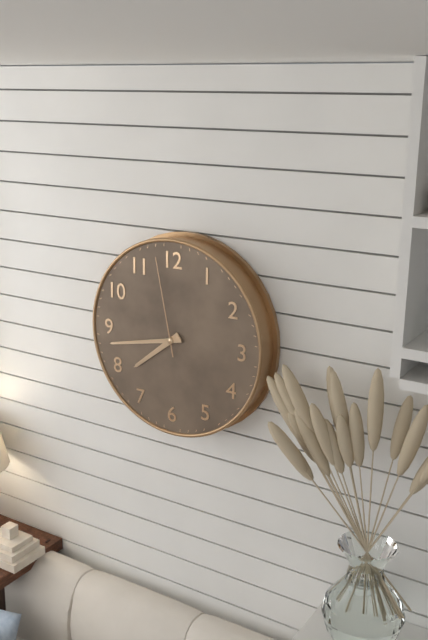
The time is 7:43:58
